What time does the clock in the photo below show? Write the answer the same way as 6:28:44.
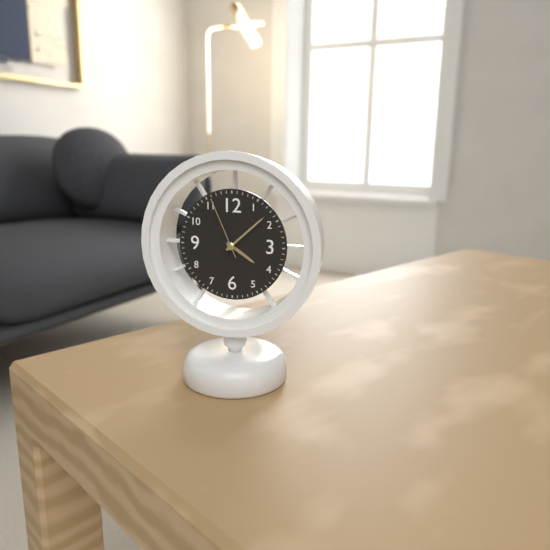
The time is 4:08:56
